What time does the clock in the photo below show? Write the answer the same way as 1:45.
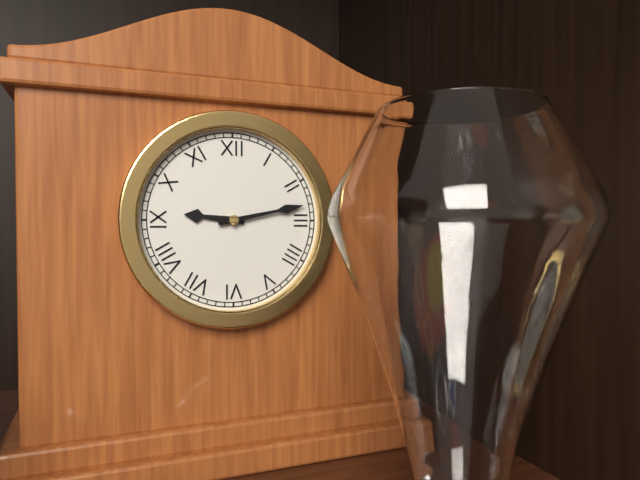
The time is 9:13
